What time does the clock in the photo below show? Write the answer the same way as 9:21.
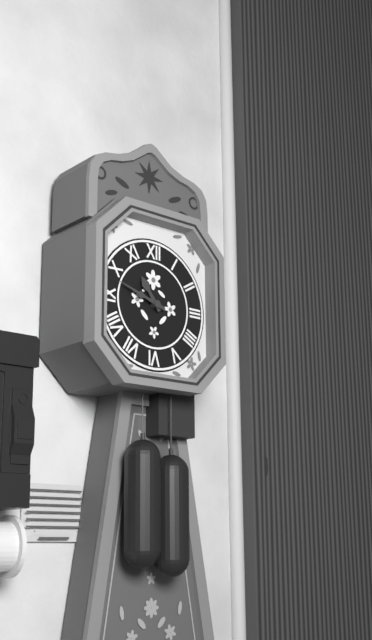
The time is 10:48
